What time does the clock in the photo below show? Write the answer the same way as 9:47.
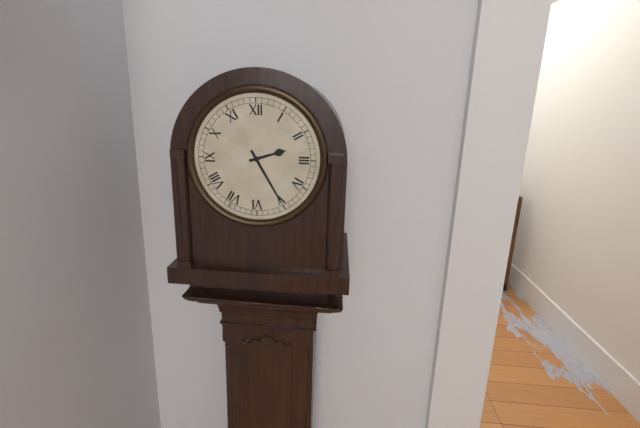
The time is 2:25
